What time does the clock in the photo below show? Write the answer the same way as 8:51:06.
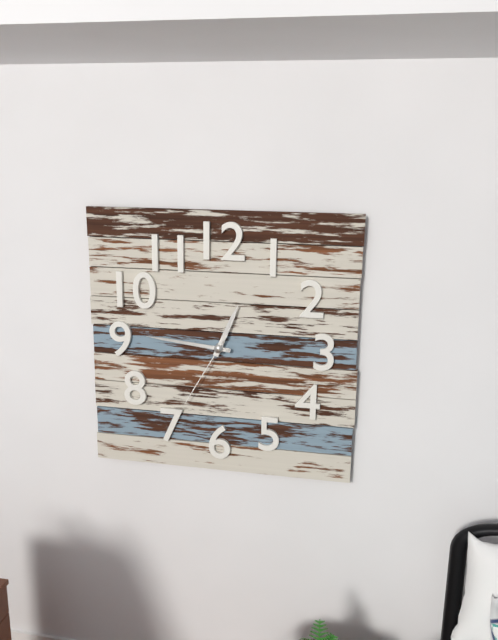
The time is 12:46:35
